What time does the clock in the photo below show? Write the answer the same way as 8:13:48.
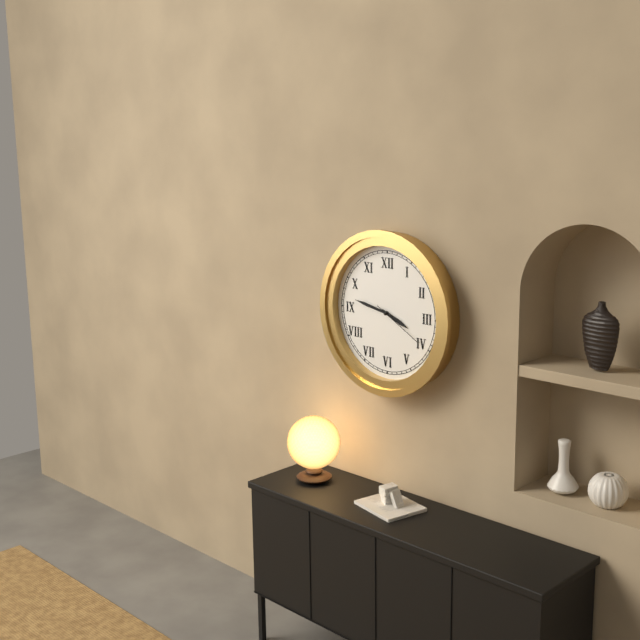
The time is 3:47:20
